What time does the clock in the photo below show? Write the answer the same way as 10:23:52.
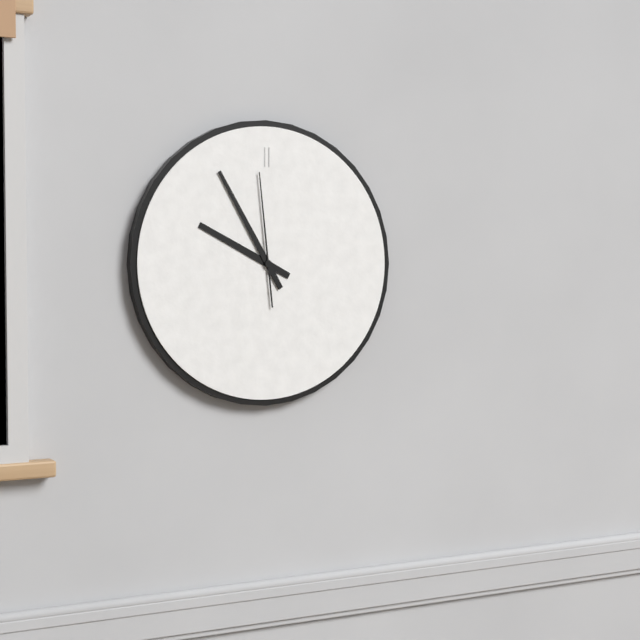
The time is 9:55:59
